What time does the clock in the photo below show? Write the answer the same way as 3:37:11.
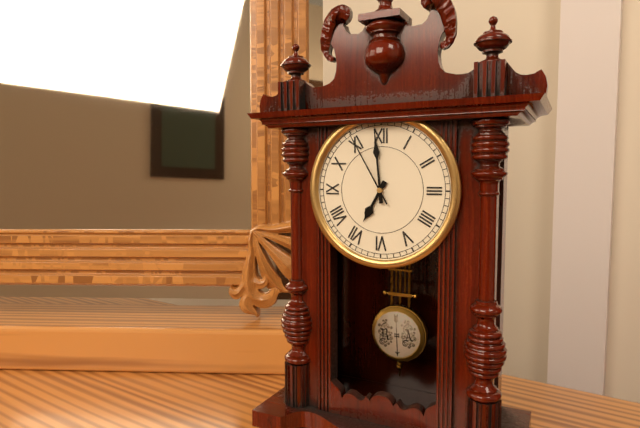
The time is 6:59:55
